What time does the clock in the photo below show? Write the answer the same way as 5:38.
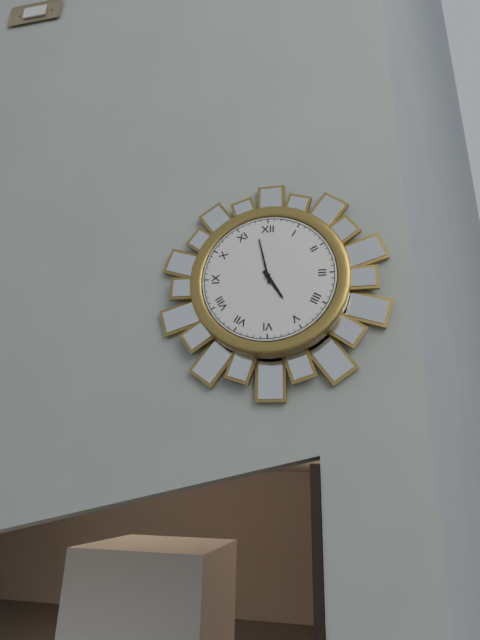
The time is 4:58
